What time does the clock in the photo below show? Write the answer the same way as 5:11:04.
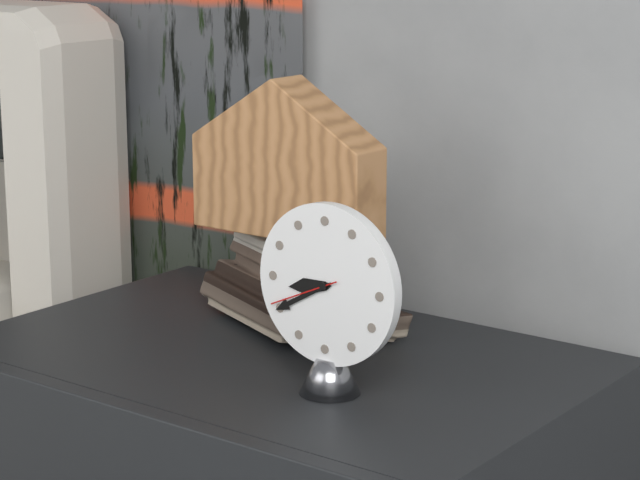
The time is 8:40:41
